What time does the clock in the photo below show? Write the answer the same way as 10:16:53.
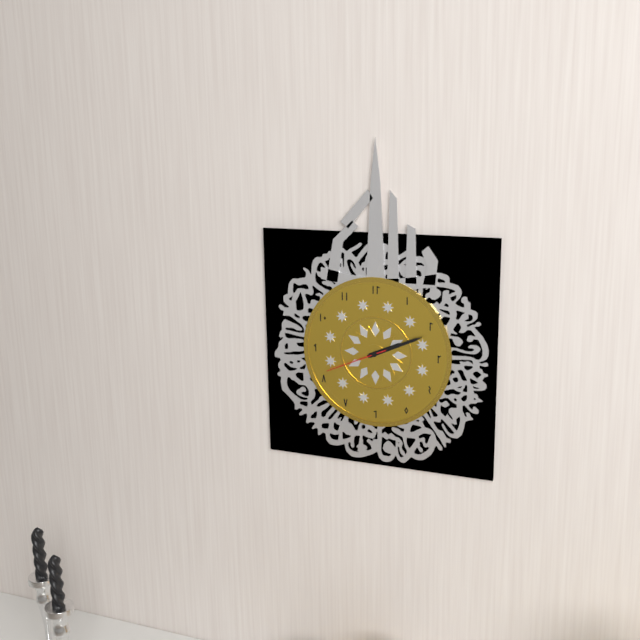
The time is 2:11:41
